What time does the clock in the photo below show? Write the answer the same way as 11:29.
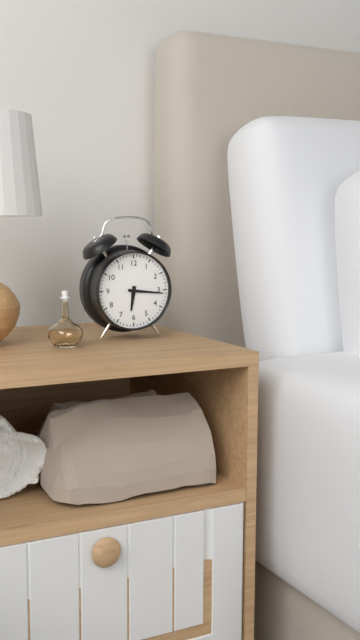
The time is 6:16
